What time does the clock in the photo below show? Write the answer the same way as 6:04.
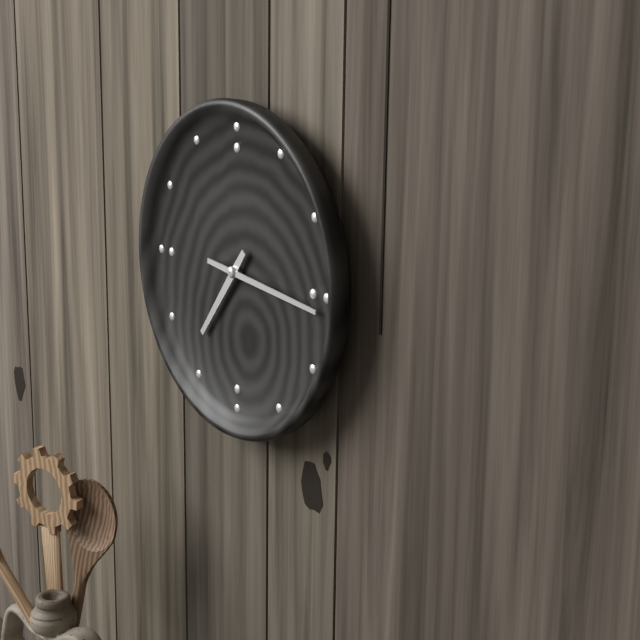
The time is 7:16
